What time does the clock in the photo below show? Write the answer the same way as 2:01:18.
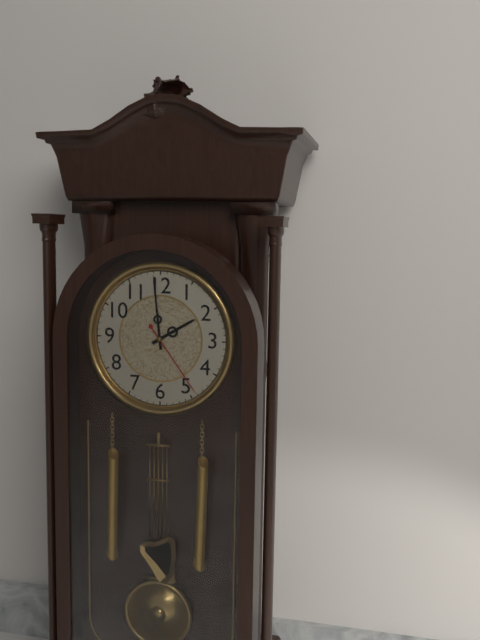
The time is 1:59:24
